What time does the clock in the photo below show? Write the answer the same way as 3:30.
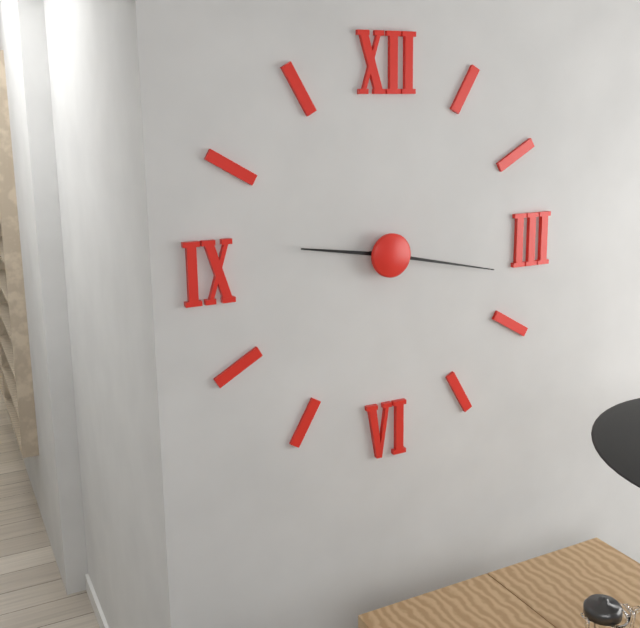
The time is 9:17
